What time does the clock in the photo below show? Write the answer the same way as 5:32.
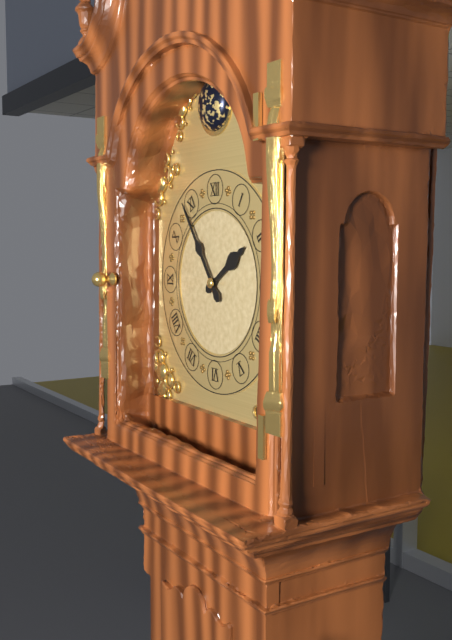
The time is 1:54
